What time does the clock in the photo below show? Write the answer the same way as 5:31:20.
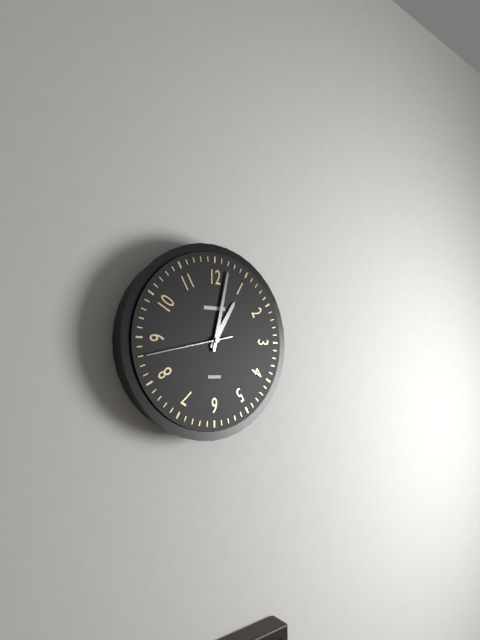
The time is 1:02:43
